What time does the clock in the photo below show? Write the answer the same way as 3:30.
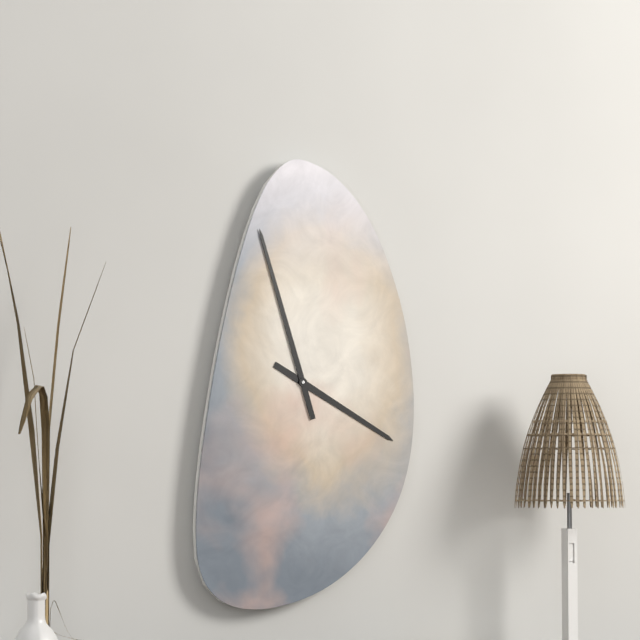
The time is 3:57
